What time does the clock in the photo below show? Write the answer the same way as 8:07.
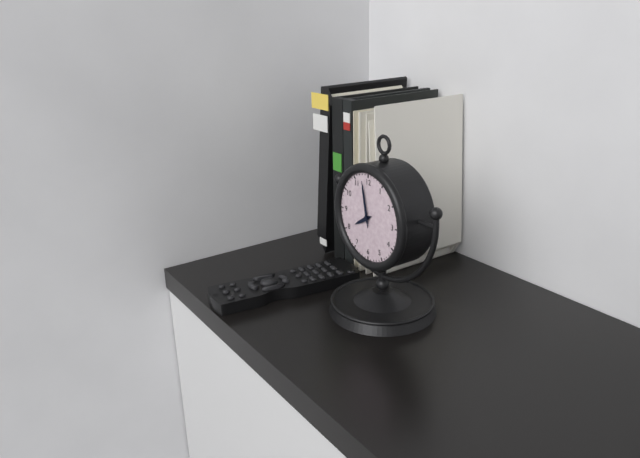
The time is 7:58
